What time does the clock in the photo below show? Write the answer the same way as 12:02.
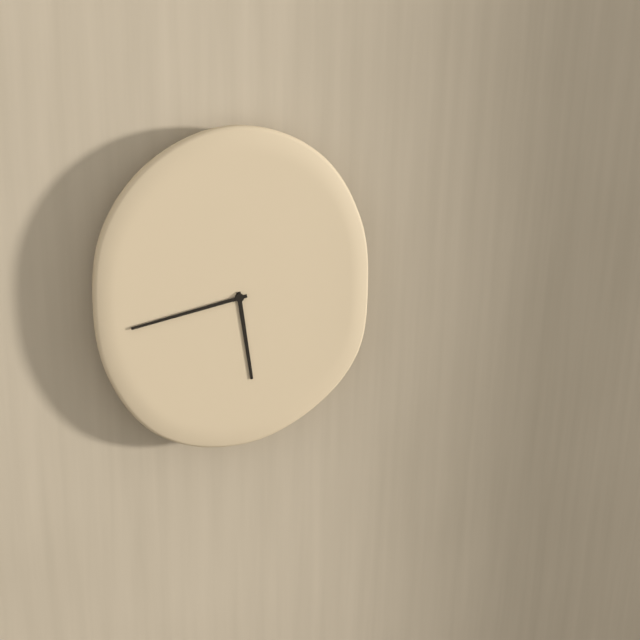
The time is 5:43
